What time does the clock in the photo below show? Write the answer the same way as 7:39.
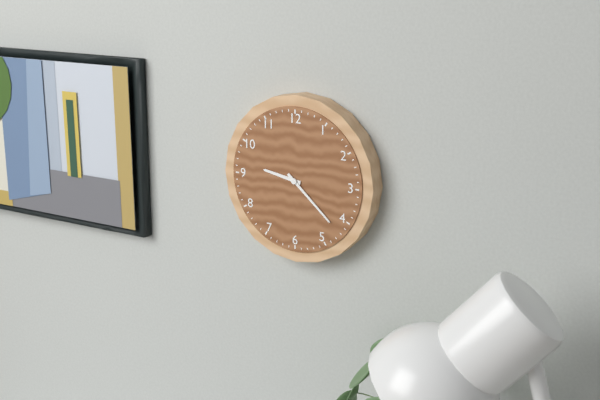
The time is 9:22
